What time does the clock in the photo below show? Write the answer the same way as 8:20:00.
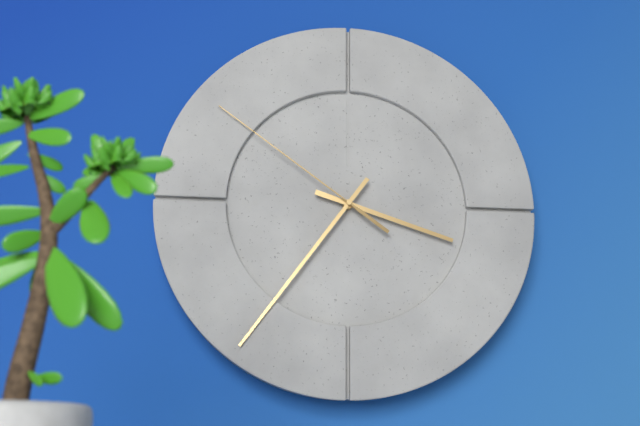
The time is 3:36:51
